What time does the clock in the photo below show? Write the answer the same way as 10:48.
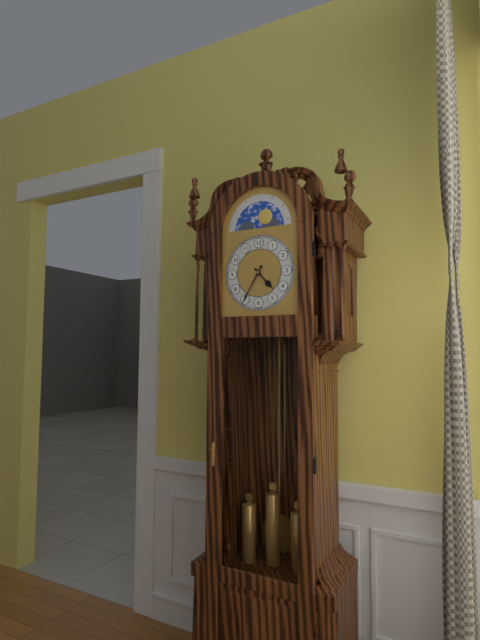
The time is 4:35
